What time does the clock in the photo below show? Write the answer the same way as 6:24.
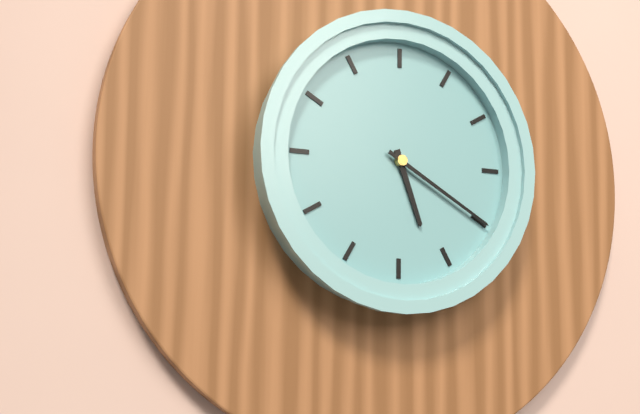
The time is 5:20
